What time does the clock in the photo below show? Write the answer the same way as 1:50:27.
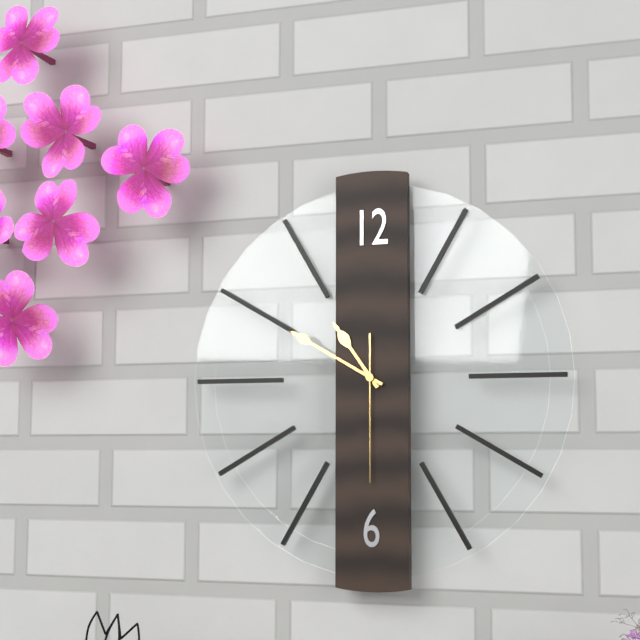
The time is 10:50:30
